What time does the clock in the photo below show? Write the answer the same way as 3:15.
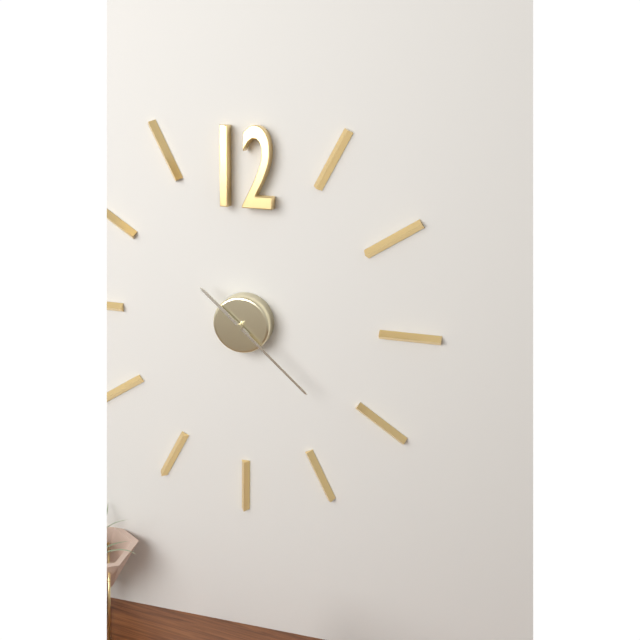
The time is 10:22
